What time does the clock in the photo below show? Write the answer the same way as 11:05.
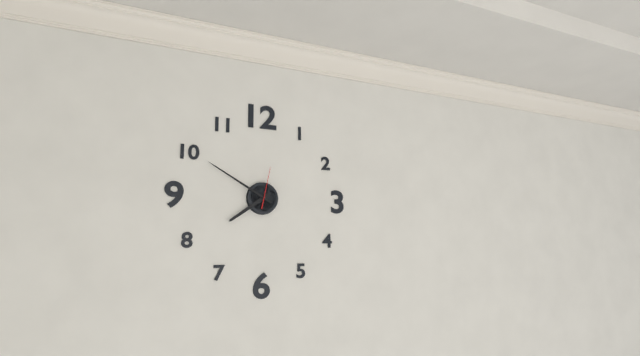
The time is 7:50
